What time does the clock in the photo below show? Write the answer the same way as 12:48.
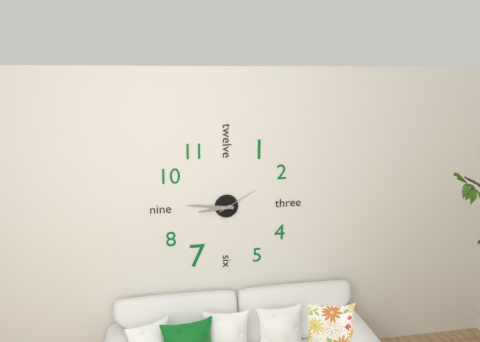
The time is 8:46
